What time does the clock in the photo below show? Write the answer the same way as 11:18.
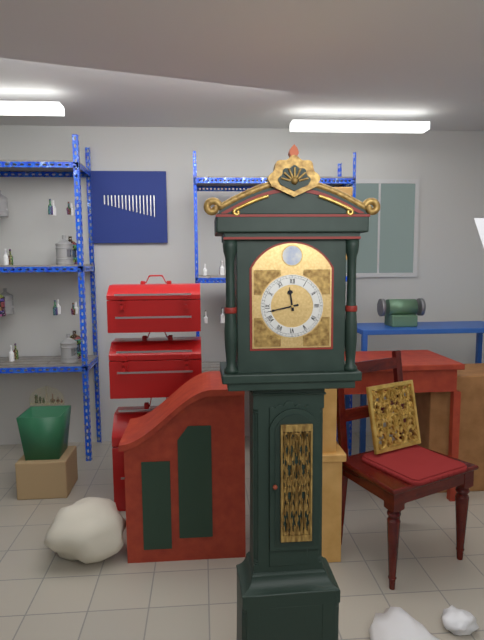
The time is 11:43
